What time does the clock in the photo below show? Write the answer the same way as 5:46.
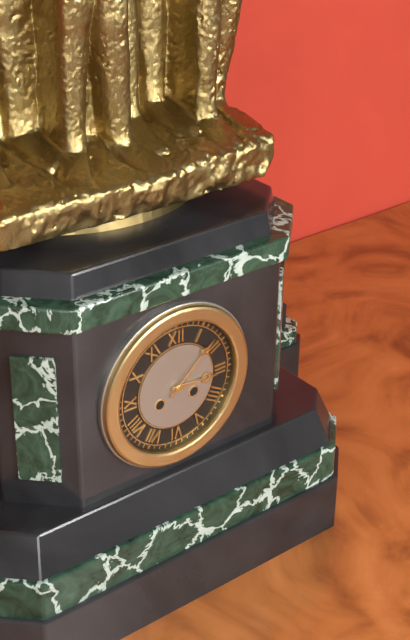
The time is 3:08
